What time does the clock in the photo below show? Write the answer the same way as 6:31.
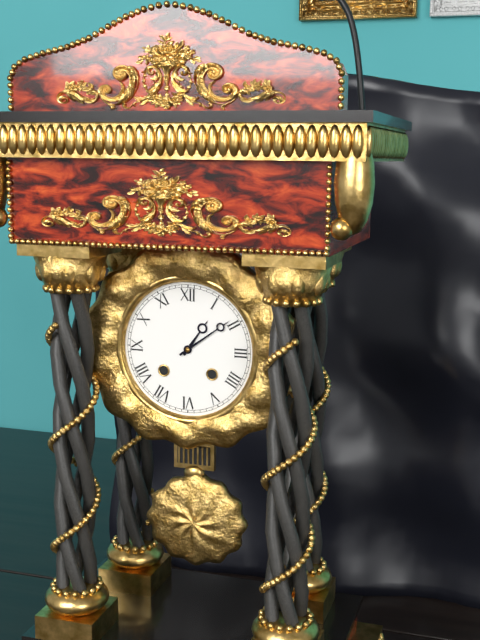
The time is 1:09
